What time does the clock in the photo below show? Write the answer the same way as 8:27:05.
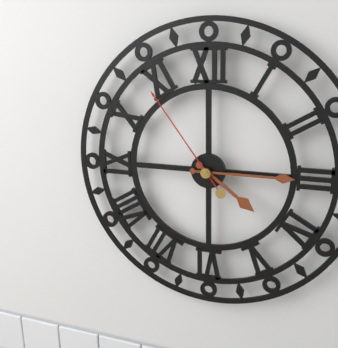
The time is 4:15:54
